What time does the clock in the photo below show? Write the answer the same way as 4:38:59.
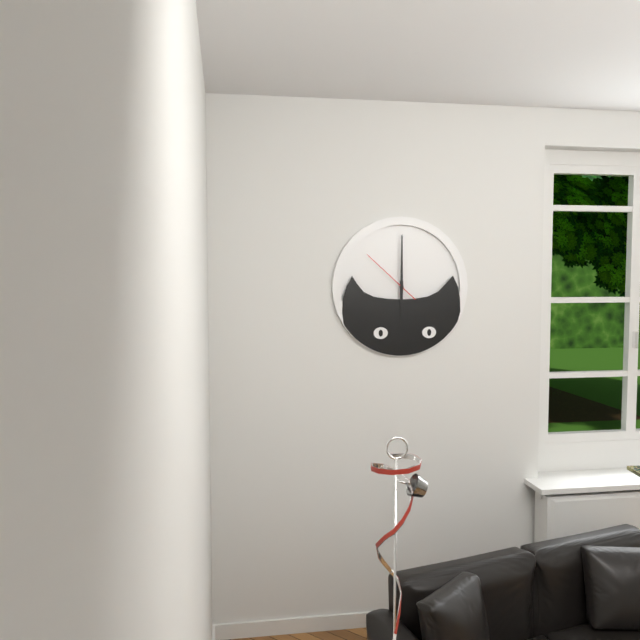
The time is 6:00:52
